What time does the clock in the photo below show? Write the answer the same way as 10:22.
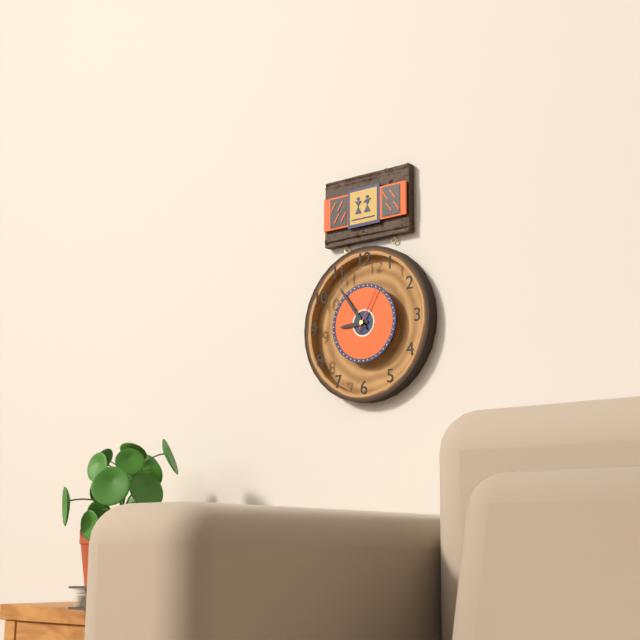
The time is 8:54
